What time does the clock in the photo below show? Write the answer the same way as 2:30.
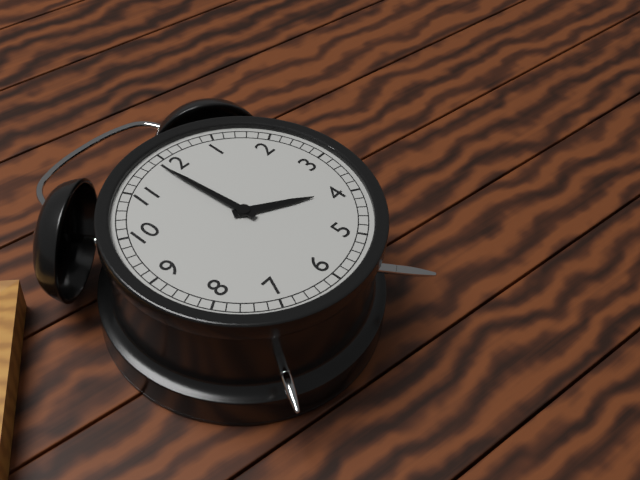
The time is 3:59
